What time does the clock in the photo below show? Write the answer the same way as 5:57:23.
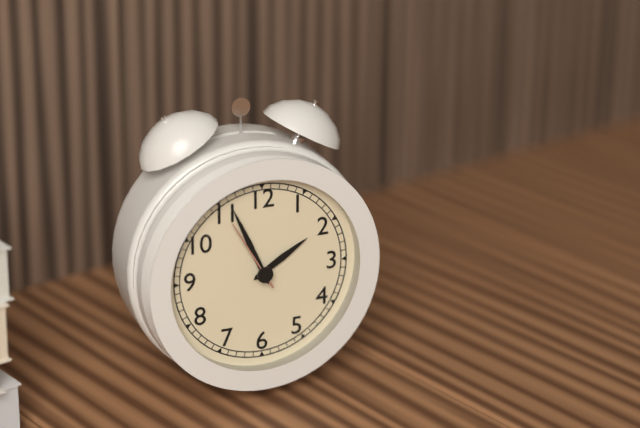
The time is 1:56:55
